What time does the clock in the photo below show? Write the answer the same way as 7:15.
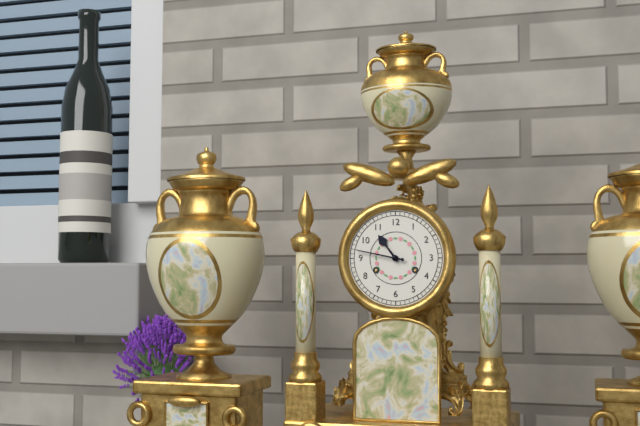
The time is 10:47
